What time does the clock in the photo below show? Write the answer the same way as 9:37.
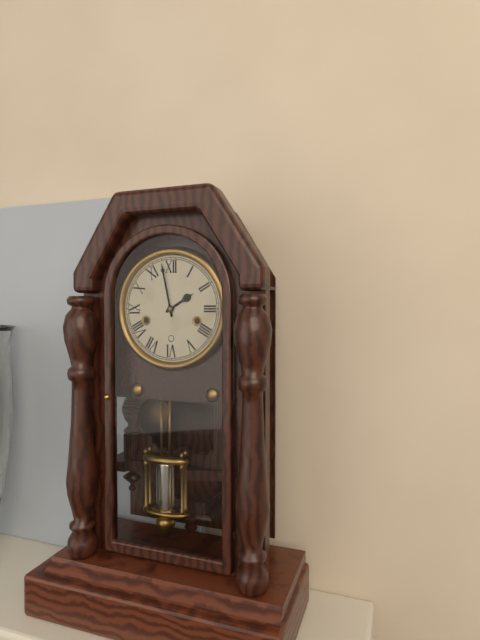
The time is 1:58
